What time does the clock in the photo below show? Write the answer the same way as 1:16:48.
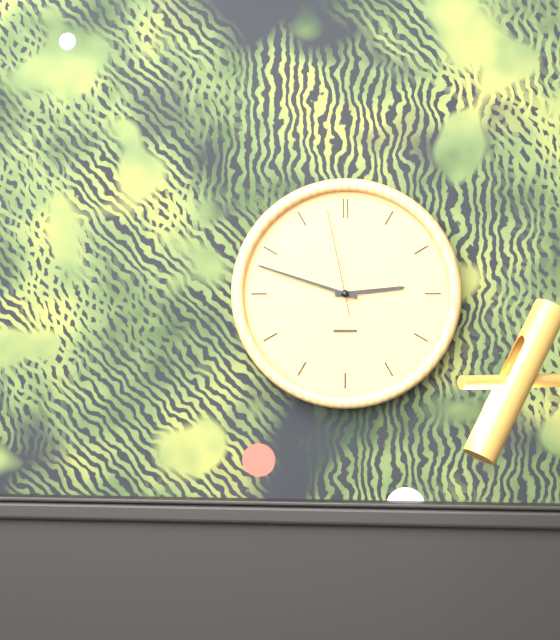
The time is 2:48:58
